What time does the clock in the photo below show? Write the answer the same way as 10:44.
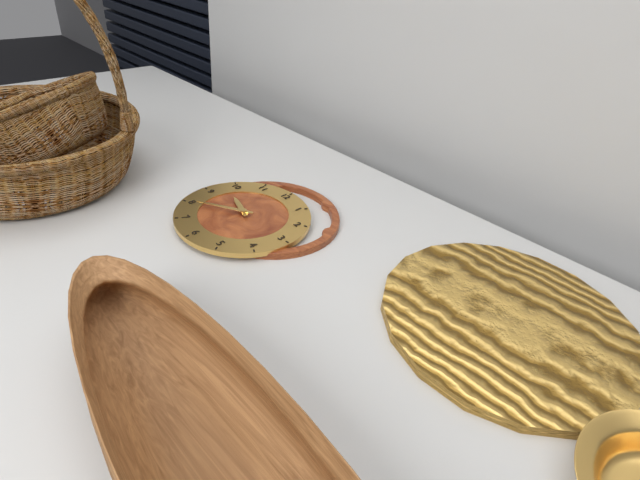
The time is 9:40
